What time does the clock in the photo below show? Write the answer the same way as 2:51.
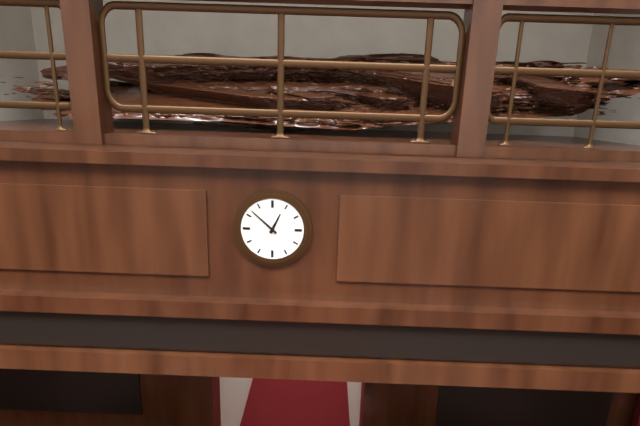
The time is 12:52
